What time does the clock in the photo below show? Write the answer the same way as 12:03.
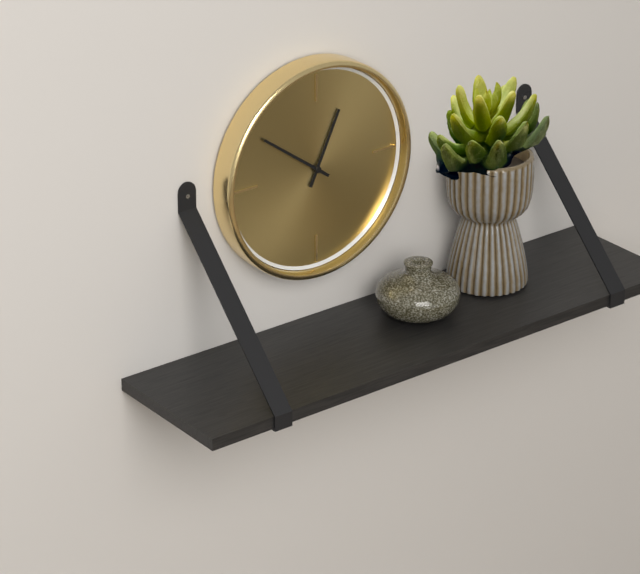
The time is 12:51
